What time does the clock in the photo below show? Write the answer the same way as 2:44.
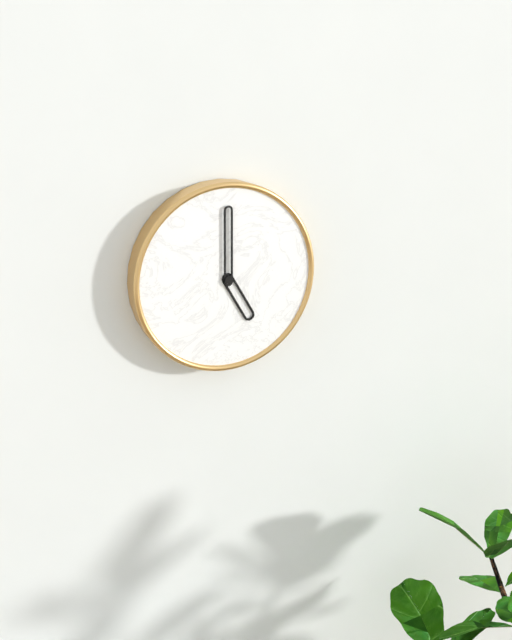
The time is 5:00
